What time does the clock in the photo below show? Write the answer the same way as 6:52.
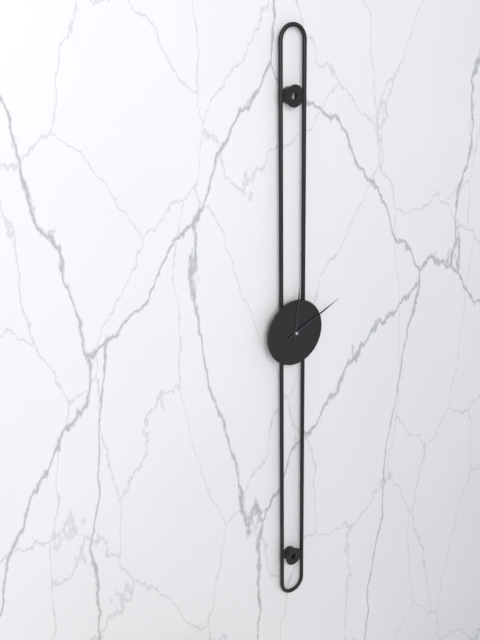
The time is 12:11
